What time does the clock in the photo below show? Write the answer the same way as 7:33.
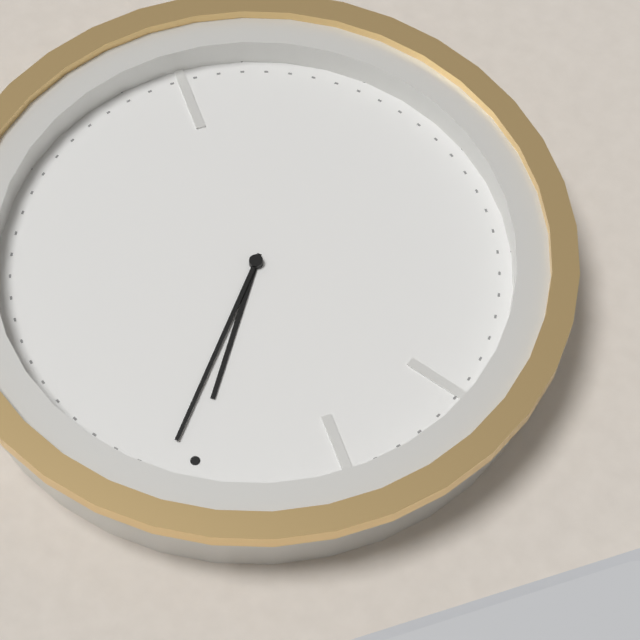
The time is 12:01
